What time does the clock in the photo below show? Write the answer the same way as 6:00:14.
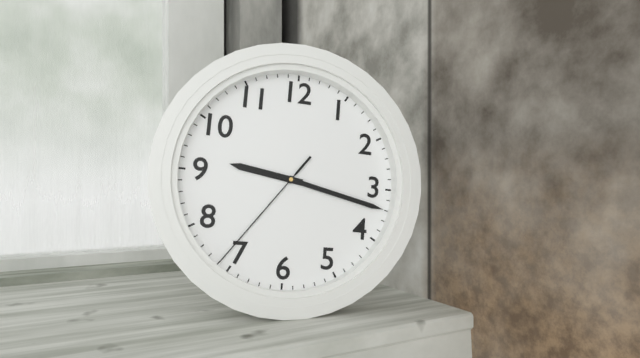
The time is 9:17:36
